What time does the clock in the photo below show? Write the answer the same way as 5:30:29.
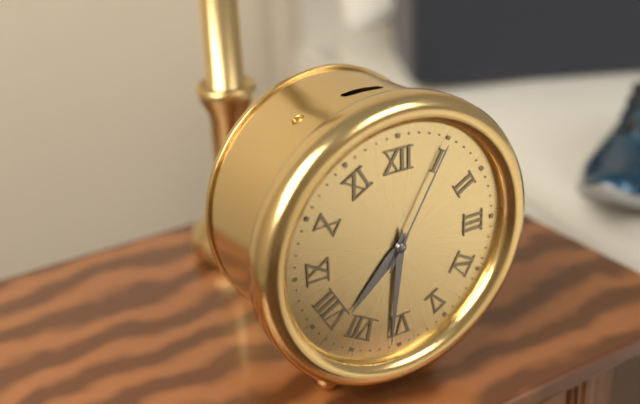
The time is 7:31:05
